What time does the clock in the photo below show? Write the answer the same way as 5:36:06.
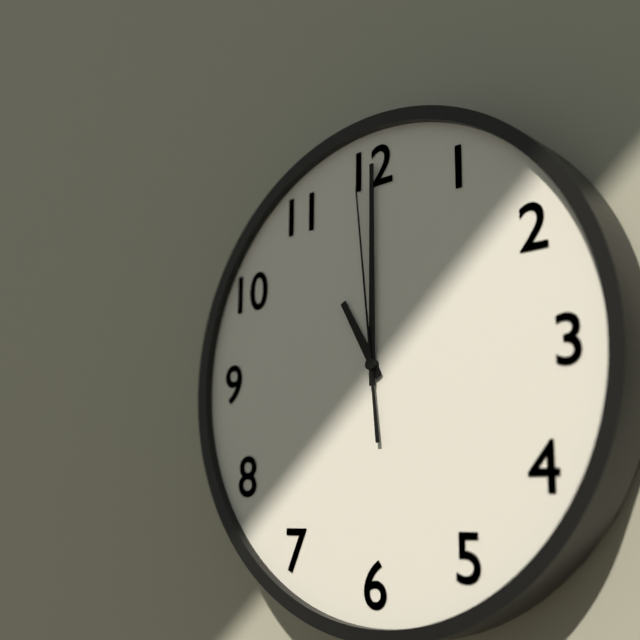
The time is 11:00:59
